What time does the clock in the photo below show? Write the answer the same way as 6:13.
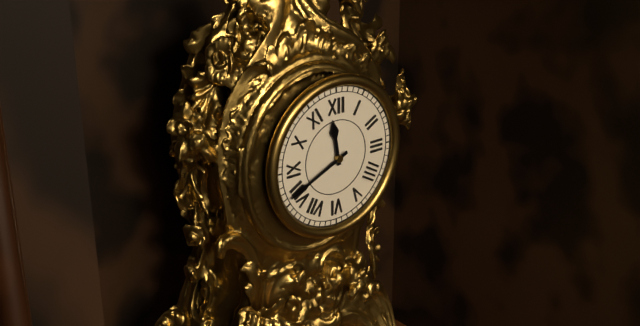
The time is 11:41
